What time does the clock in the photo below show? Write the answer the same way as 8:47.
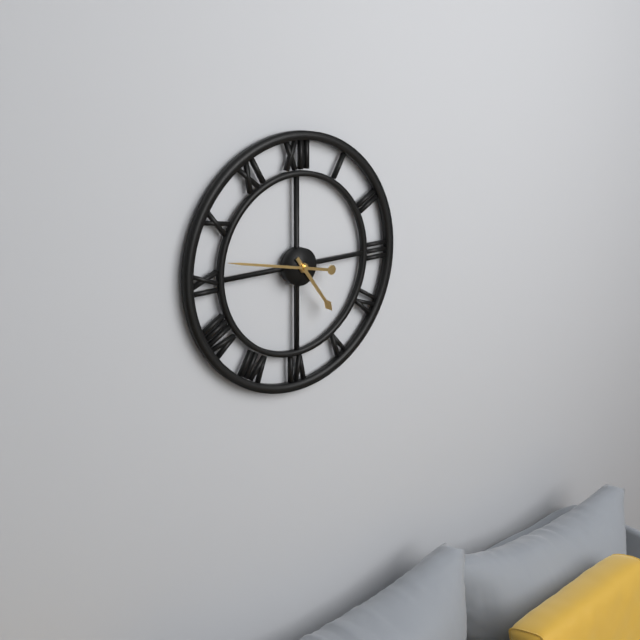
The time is 4:47
